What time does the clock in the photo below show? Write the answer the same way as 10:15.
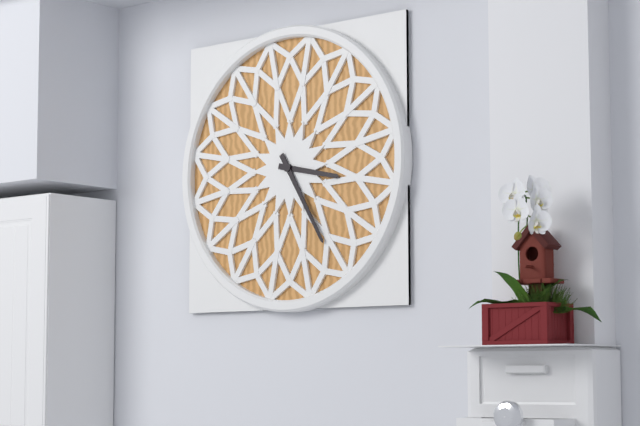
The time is 3:25
